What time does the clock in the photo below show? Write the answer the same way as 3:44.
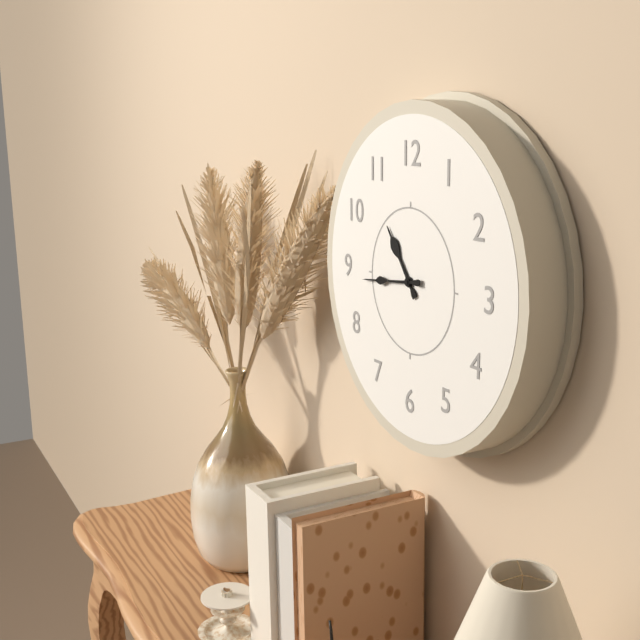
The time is 10:44
